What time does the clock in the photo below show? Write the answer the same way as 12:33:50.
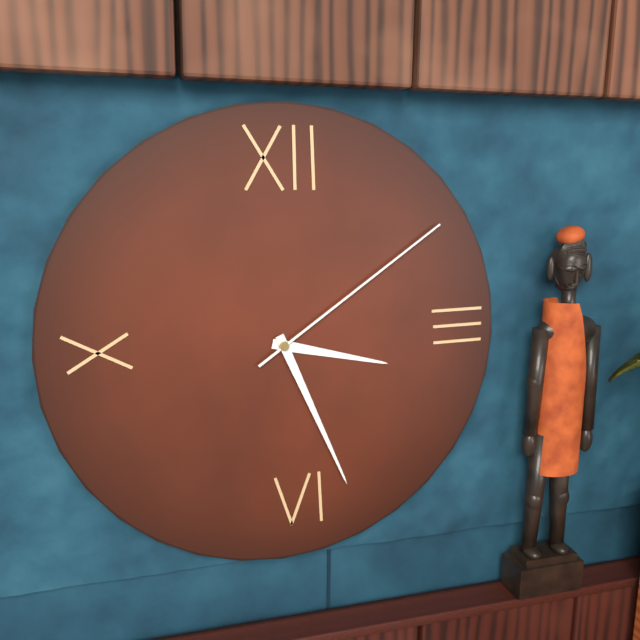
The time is 3:26:09
